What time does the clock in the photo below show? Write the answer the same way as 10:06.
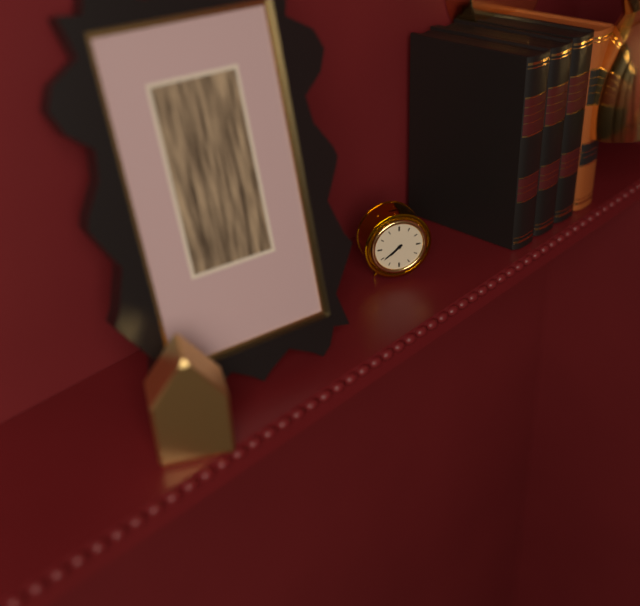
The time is 7:39
